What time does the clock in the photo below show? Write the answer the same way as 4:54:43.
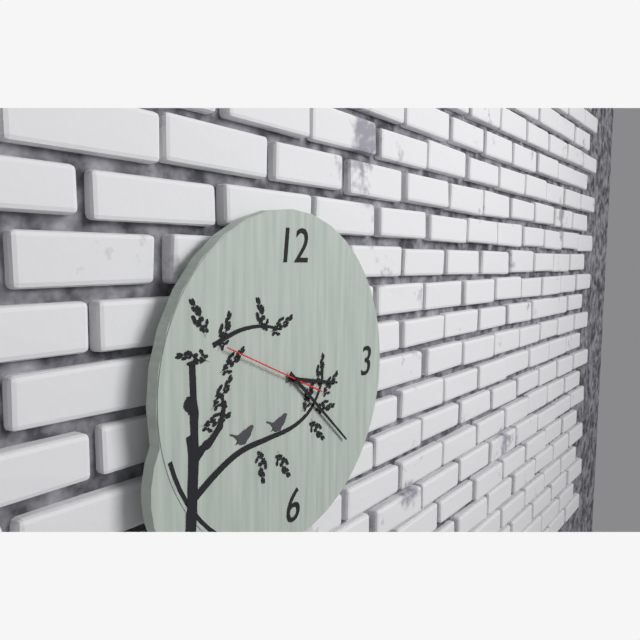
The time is 3:22:49
